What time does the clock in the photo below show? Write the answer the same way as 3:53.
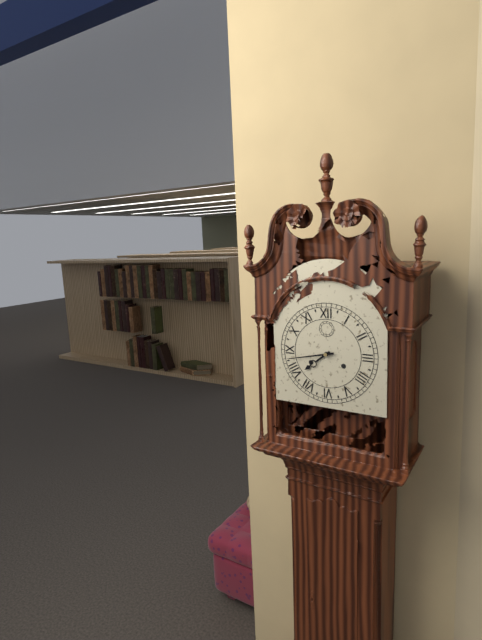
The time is 7:43
